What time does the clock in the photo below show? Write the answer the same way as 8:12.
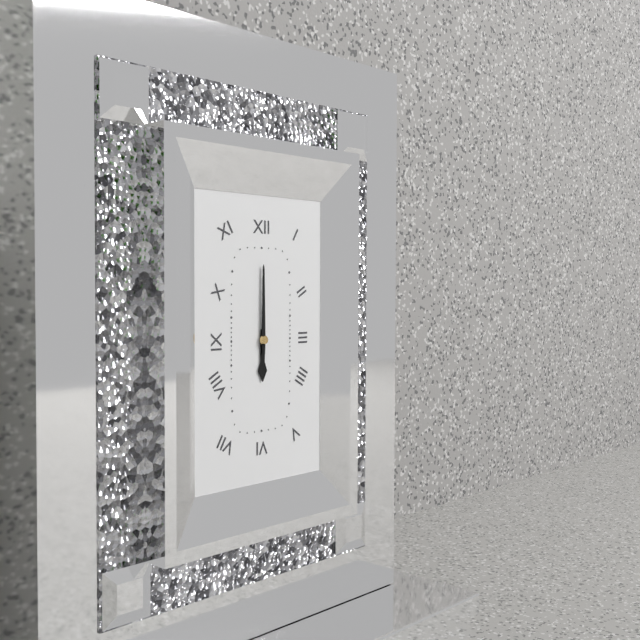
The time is 6:00
